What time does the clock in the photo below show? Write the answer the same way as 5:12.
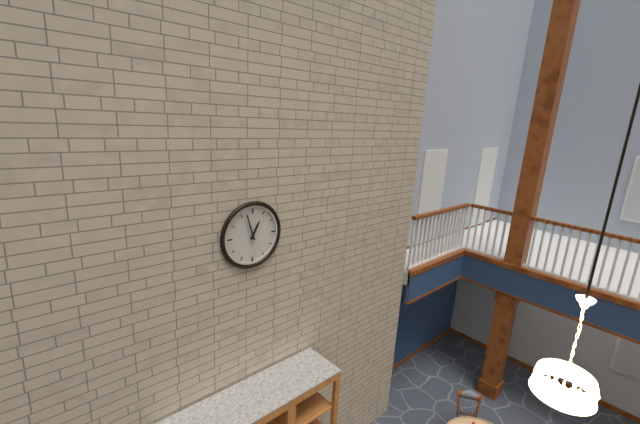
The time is 12:57
